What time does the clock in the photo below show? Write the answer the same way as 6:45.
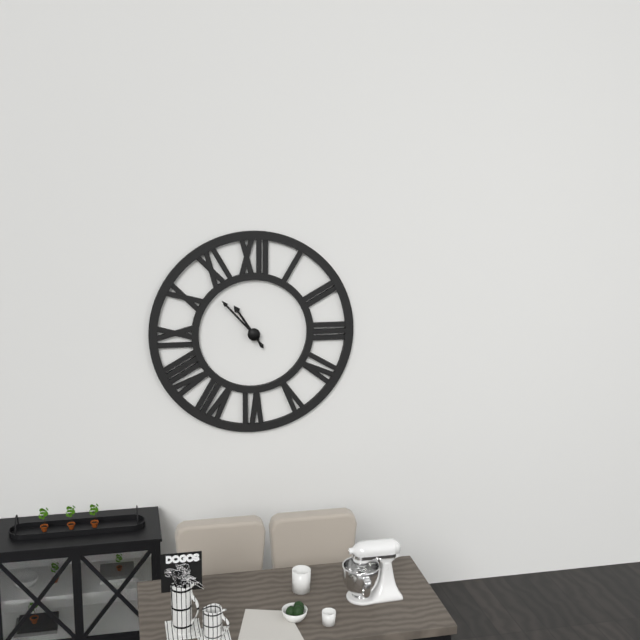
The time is 10:53
